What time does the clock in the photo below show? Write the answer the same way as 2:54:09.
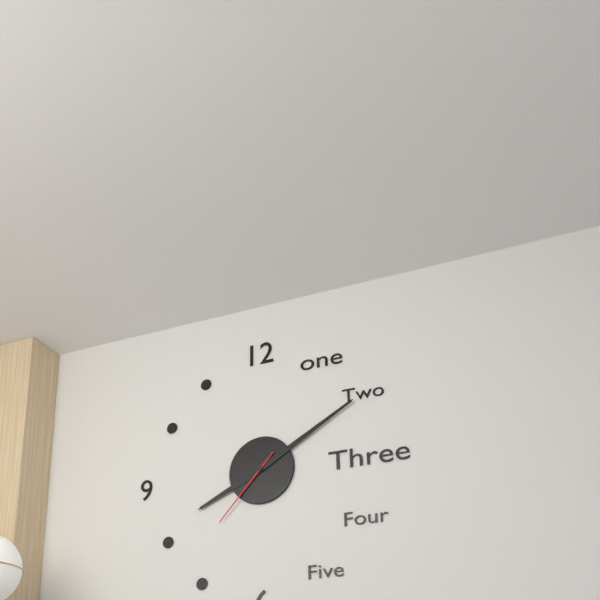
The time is 8:10:37
